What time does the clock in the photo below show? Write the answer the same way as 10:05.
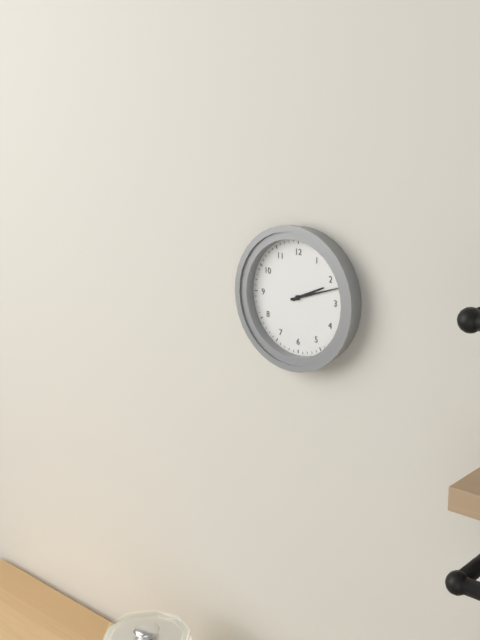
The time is 2:12
